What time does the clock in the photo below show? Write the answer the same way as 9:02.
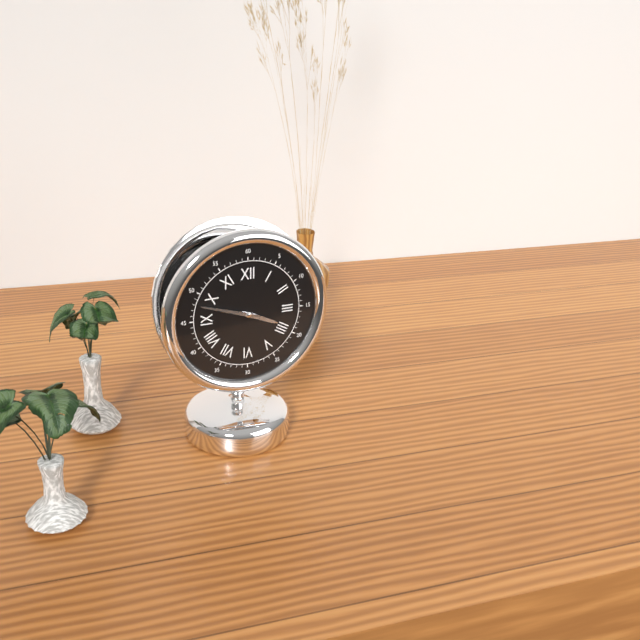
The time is 3:48
